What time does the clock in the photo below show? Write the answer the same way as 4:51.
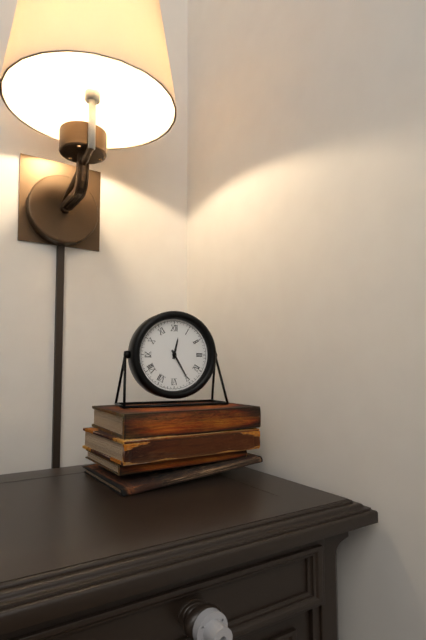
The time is 12:25
